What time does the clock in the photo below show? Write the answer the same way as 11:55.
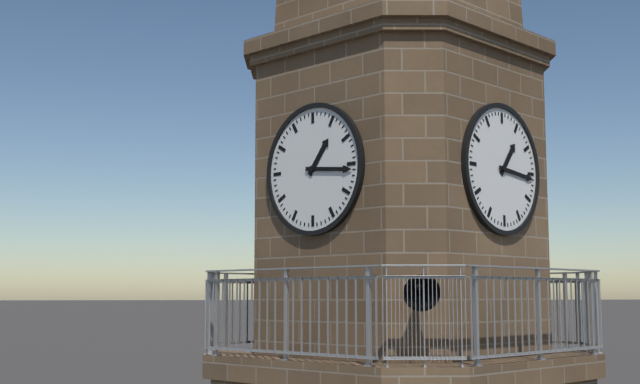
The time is 1:16
